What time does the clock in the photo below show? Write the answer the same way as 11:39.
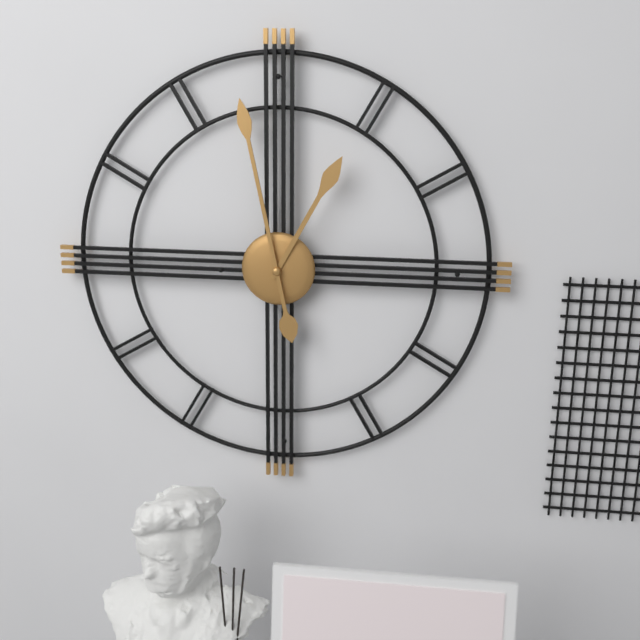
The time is 12:58
